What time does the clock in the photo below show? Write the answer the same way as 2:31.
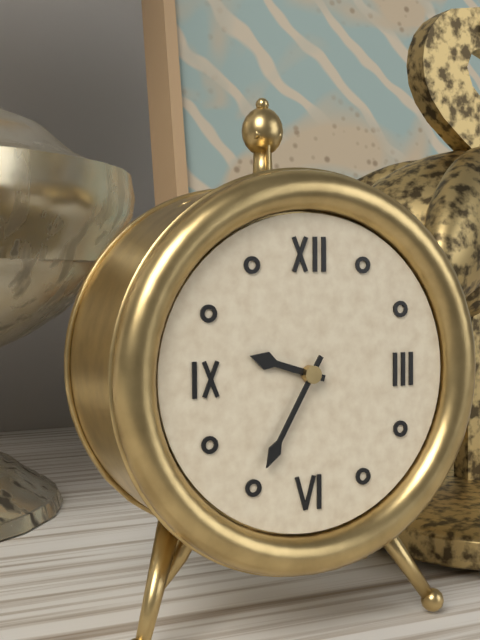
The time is 9:35
